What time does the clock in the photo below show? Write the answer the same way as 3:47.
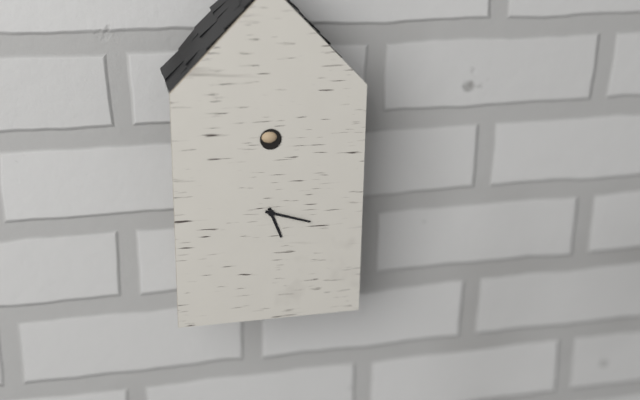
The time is 5:18
